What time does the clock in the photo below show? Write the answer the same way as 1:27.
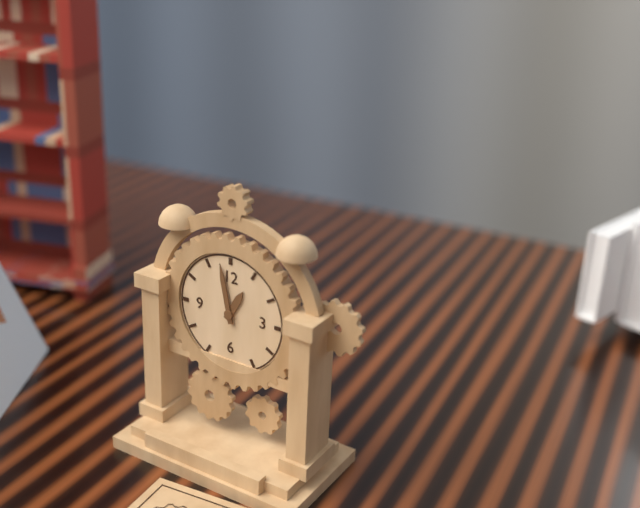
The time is 12:58
